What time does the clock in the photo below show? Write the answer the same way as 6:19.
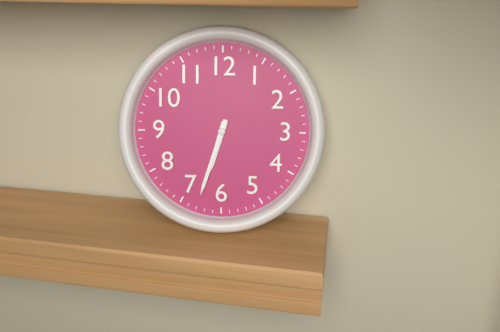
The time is 6:33
